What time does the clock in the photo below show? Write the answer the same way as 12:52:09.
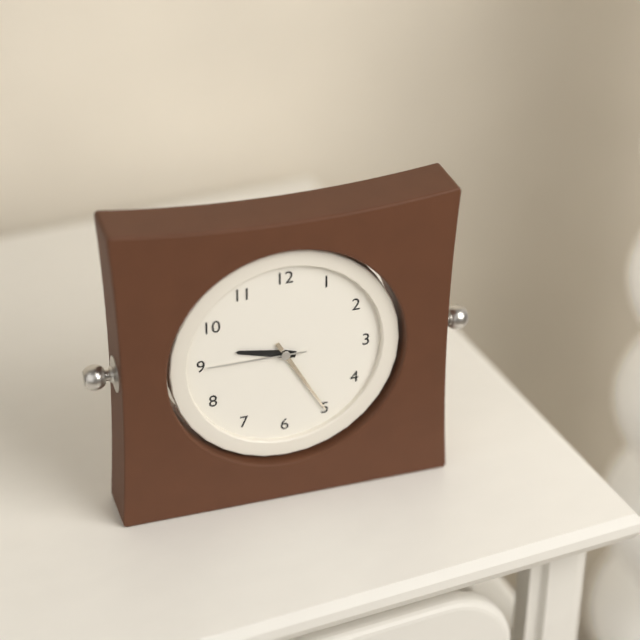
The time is 9:25:45
